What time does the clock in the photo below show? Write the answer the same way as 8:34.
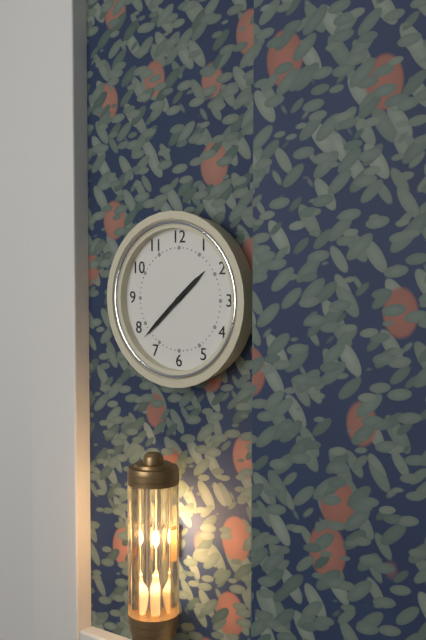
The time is 1:38
